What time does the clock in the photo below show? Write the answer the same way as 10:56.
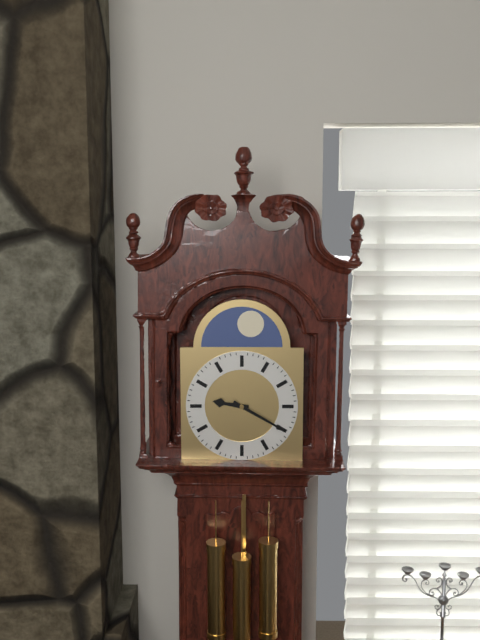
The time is 9:20
